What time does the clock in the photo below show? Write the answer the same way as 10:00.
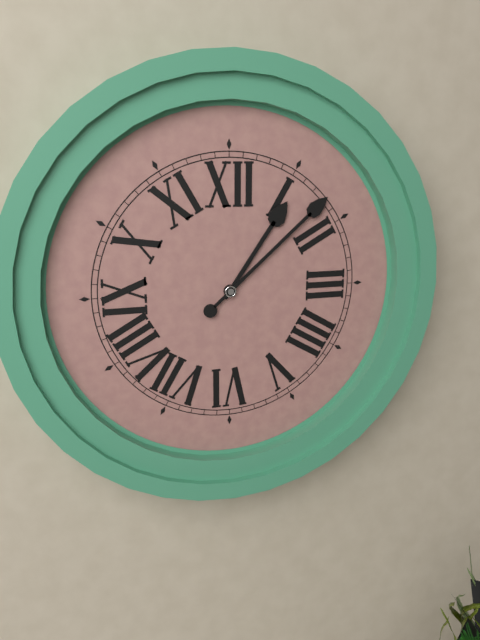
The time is 1:08
